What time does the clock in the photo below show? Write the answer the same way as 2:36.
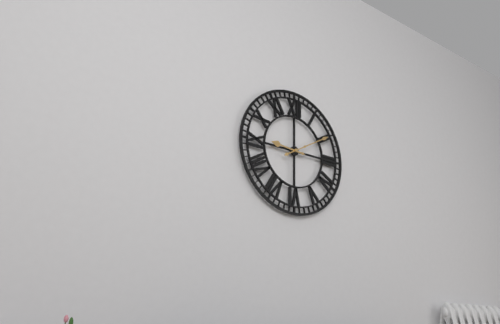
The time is 9:10
